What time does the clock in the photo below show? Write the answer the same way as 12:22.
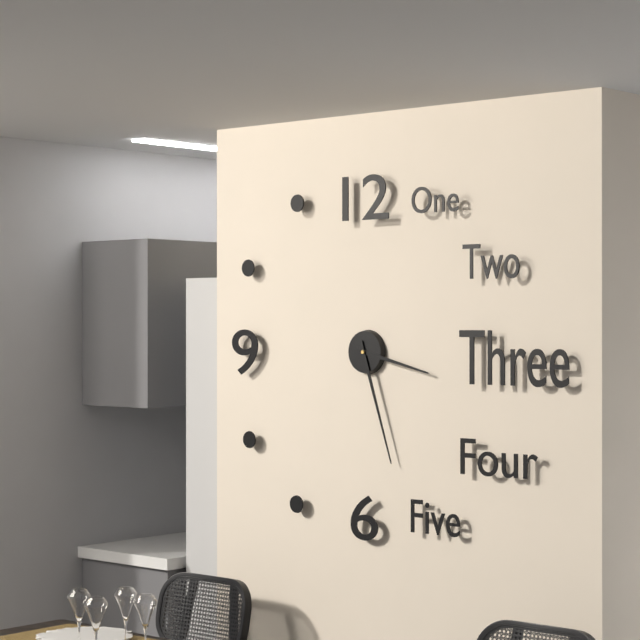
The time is 3:27
